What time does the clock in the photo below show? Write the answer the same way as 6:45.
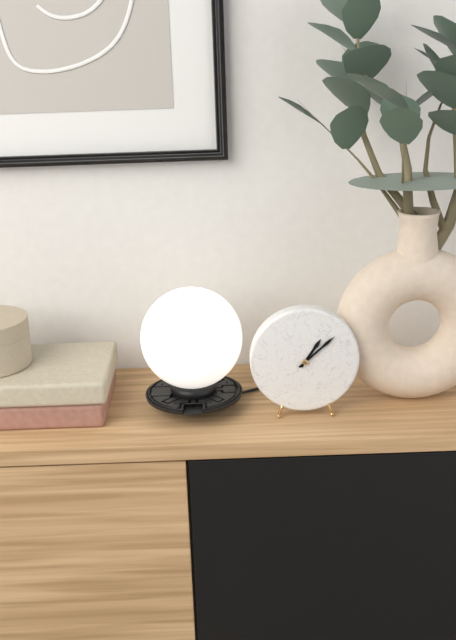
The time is 1:08
